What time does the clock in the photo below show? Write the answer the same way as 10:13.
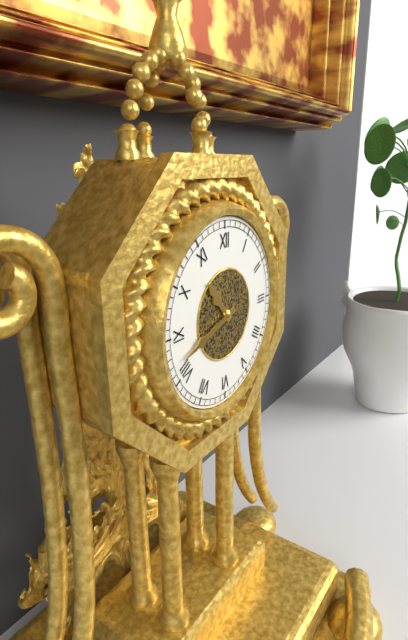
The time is 10:42
